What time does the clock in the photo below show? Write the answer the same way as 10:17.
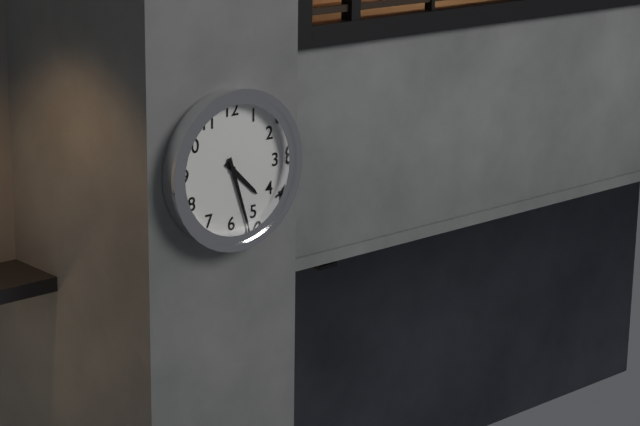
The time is 4:27
